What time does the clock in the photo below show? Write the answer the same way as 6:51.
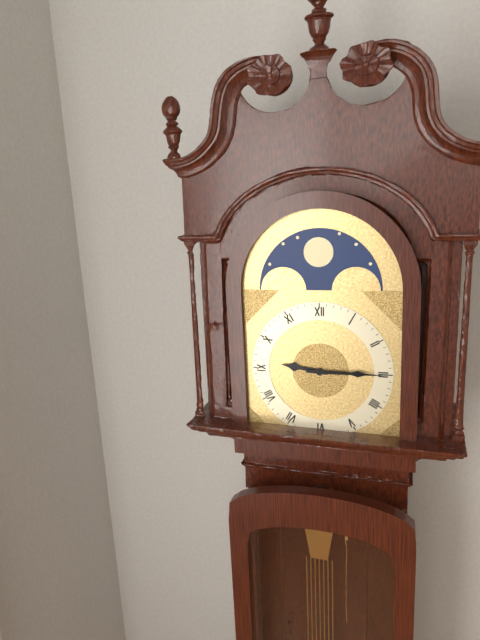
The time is 9:15
